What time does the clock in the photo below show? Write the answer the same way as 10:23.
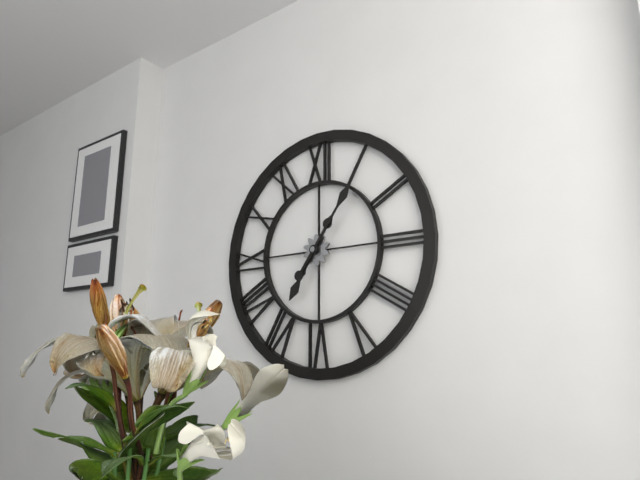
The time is 7:06
